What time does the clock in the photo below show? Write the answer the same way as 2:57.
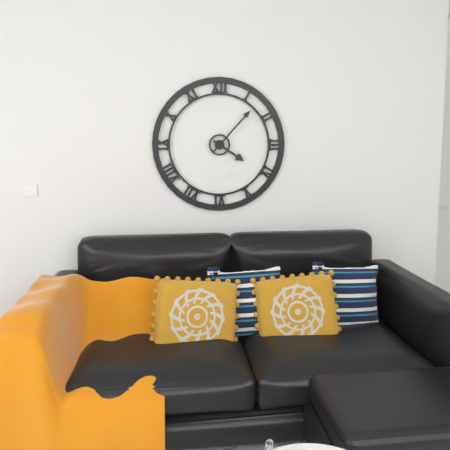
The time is 4:07
